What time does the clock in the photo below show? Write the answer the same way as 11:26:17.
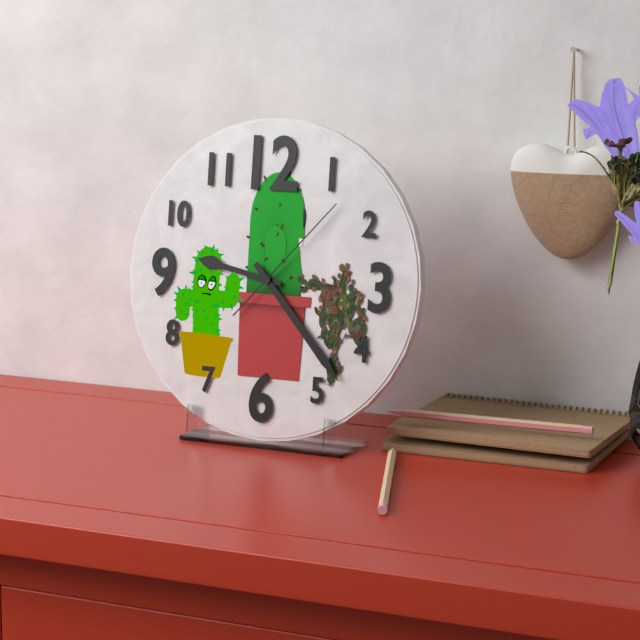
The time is 9:23:07
